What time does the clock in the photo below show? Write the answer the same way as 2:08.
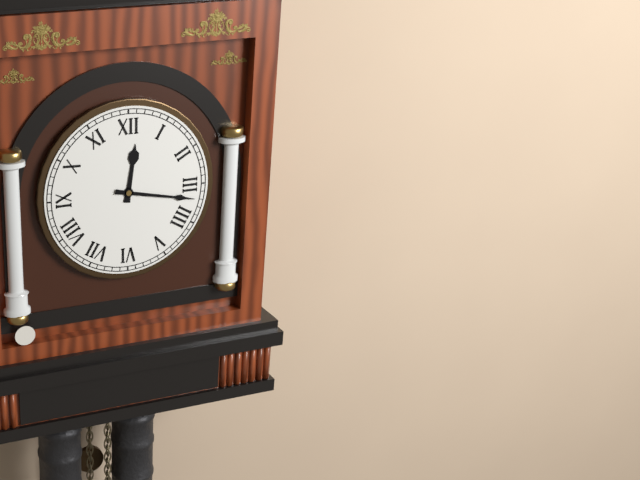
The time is 12:17
